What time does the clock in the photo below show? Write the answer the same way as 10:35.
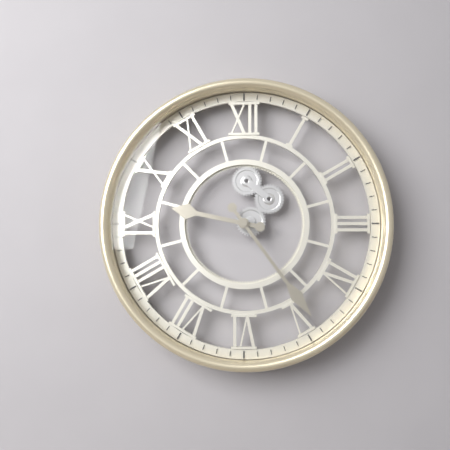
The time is 9:24
